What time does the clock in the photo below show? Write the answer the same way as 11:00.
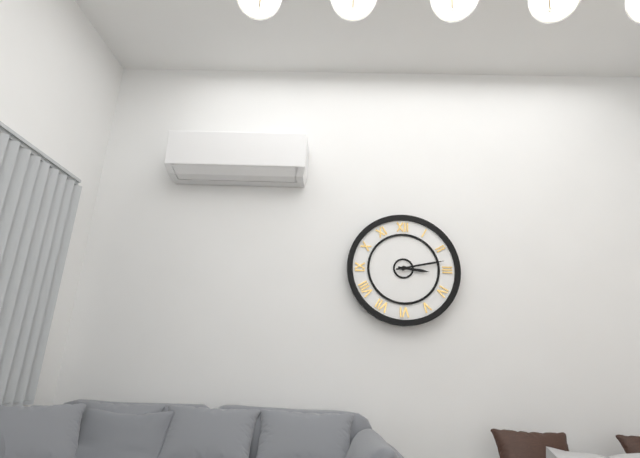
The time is 3:13
